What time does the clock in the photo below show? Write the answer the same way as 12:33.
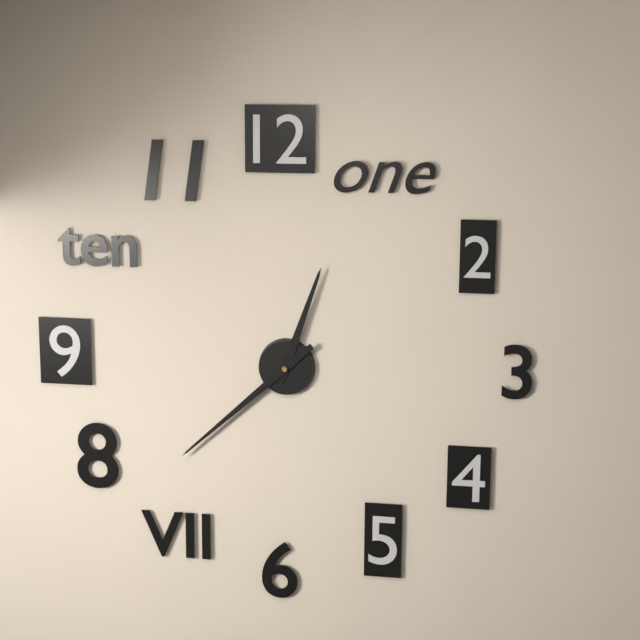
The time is 12:38
